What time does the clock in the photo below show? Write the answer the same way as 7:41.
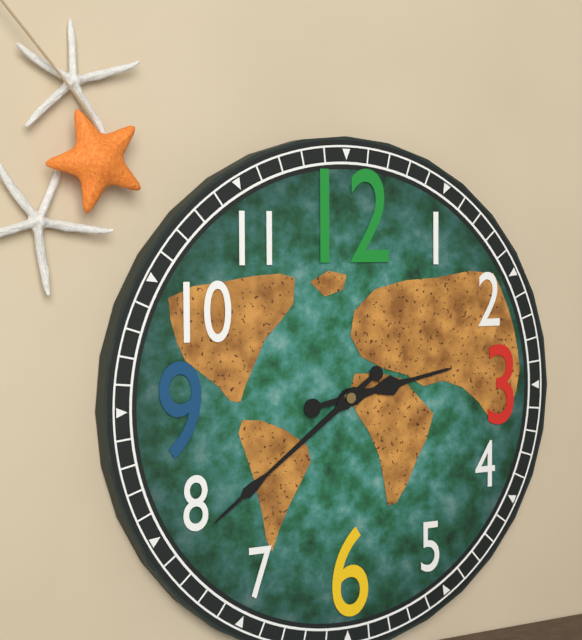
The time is 2:39
